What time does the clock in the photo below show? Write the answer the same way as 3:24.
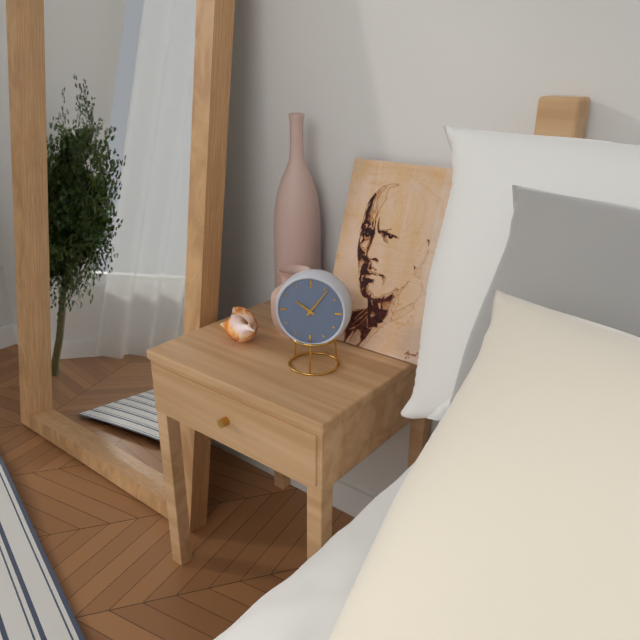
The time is 10:06
